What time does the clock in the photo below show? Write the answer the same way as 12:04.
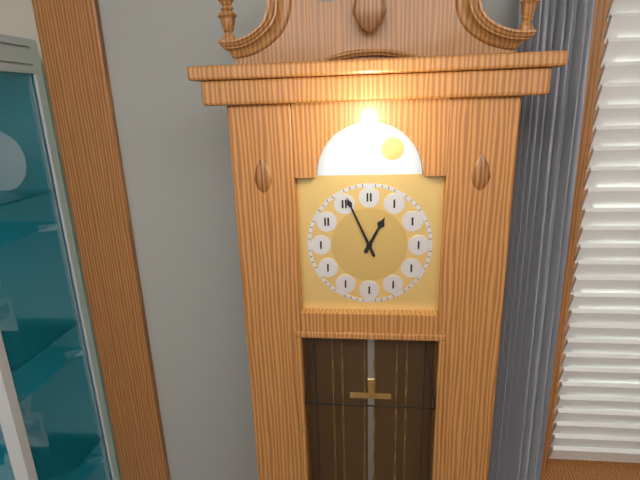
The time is 12:56
